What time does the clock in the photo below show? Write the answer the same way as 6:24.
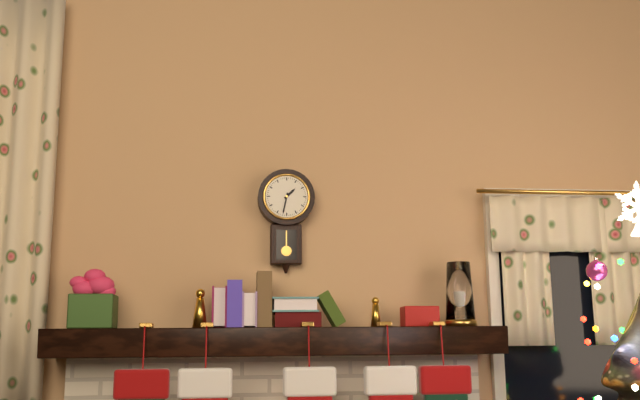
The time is 1:32
